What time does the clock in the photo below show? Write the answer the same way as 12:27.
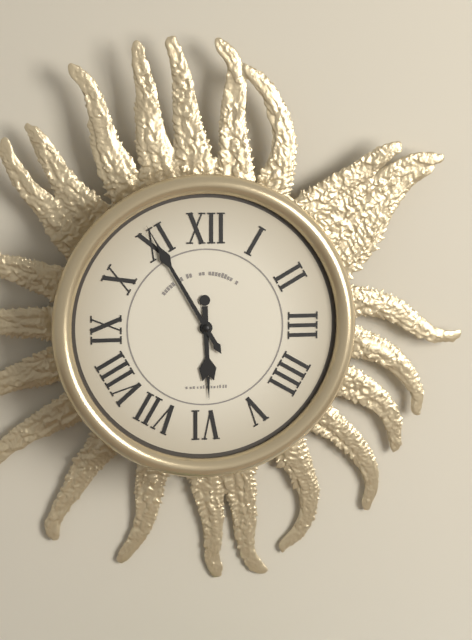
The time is 5:55
